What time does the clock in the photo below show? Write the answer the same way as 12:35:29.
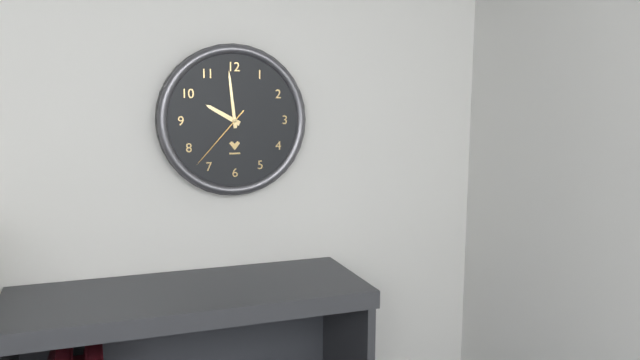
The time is 9:59:37
